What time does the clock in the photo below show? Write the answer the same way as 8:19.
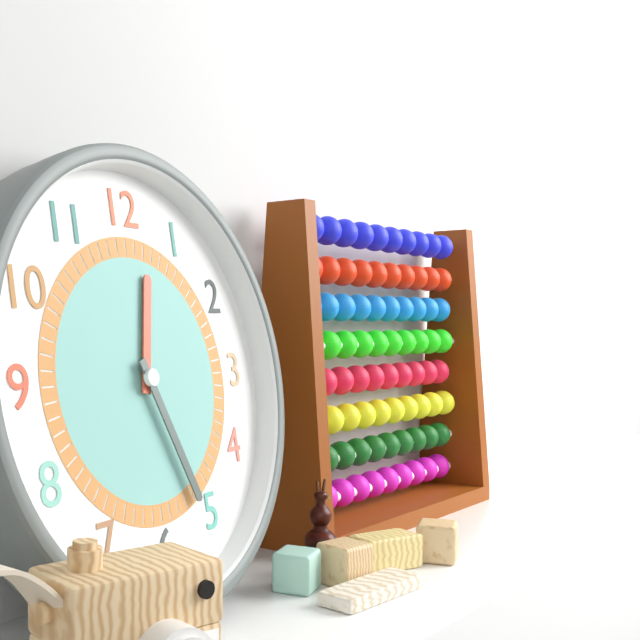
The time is 12:26
